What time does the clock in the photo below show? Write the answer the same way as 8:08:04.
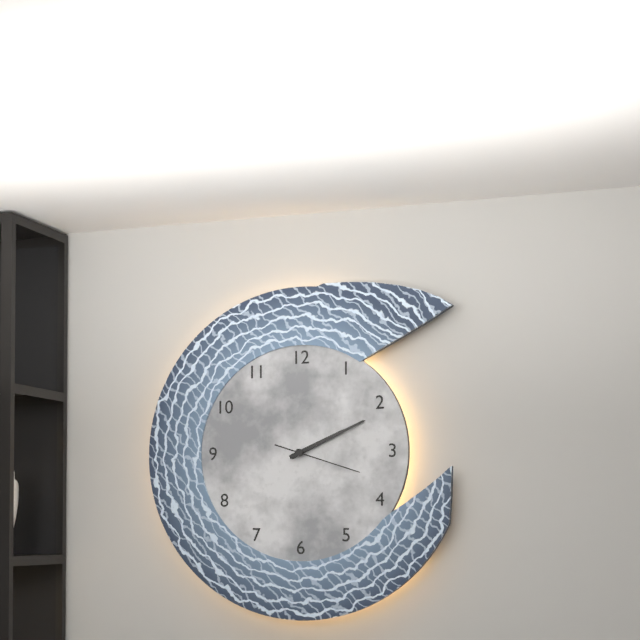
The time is 2:11:18
